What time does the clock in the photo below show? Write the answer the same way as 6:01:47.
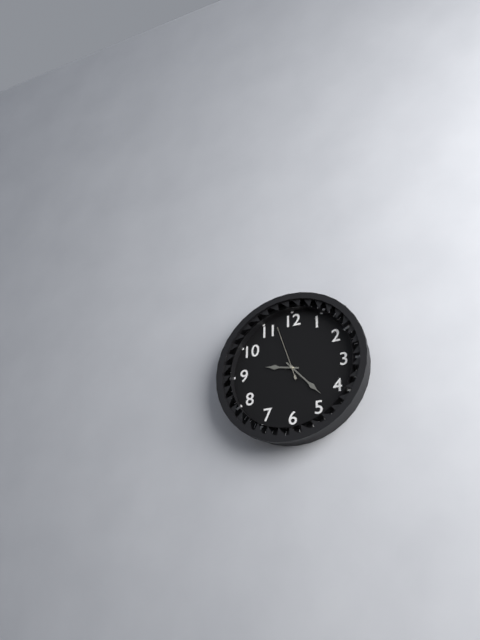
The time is 9:23:57
